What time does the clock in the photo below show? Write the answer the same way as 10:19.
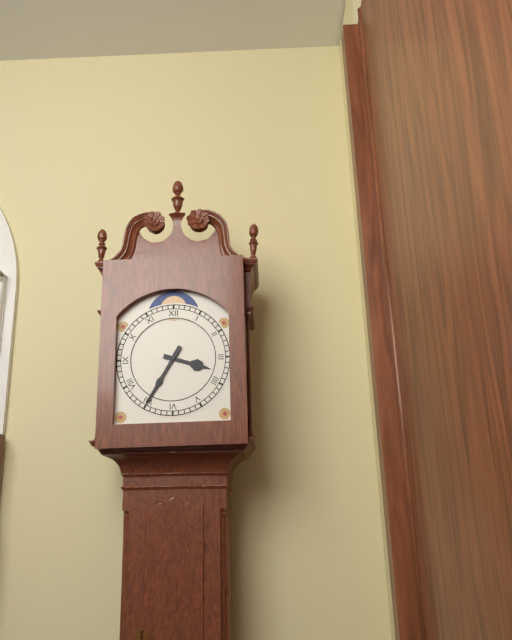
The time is 3:35
